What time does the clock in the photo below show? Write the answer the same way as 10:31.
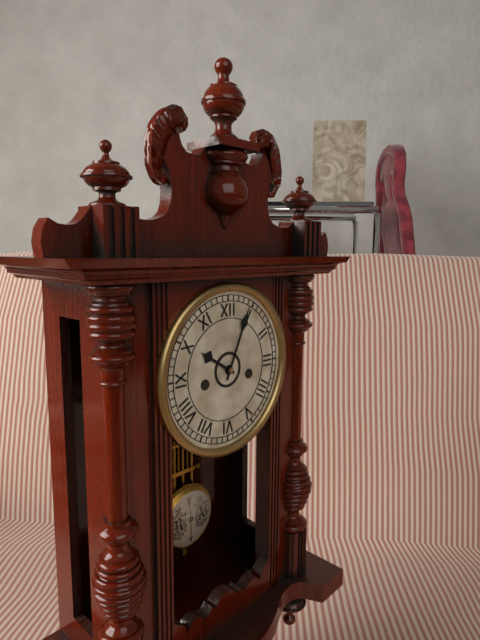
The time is 10:04
